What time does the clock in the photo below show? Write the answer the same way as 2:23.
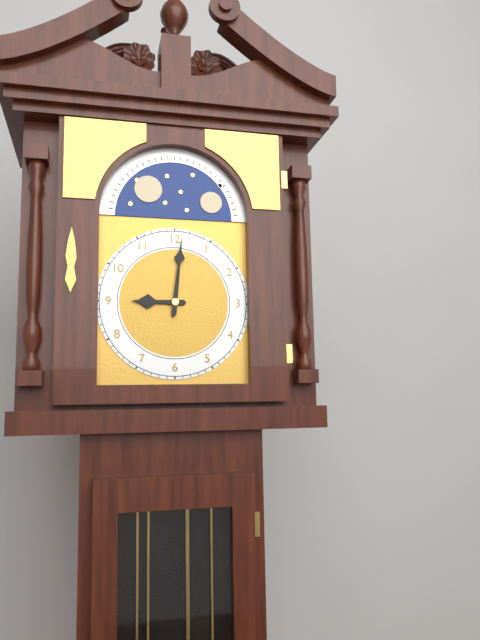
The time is 9:01
